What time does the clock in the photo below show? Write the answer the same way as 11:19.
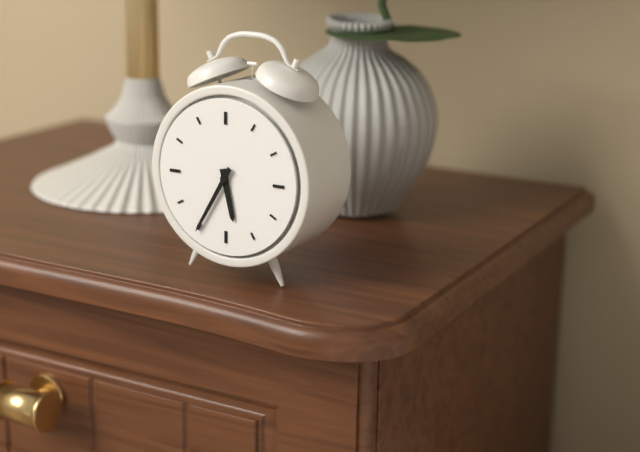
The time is 5:35
